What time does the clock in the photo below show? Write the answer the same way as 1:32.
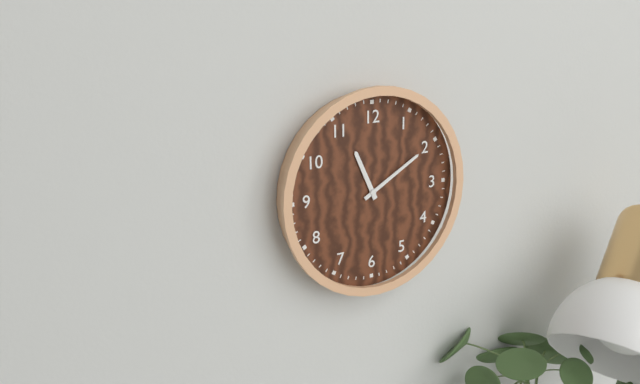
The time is 11:10
